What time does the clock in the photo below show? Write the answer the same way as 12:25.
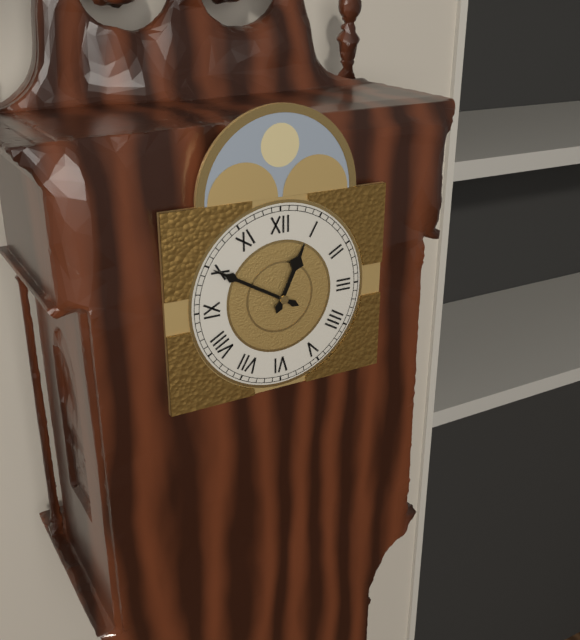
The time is 12:50
